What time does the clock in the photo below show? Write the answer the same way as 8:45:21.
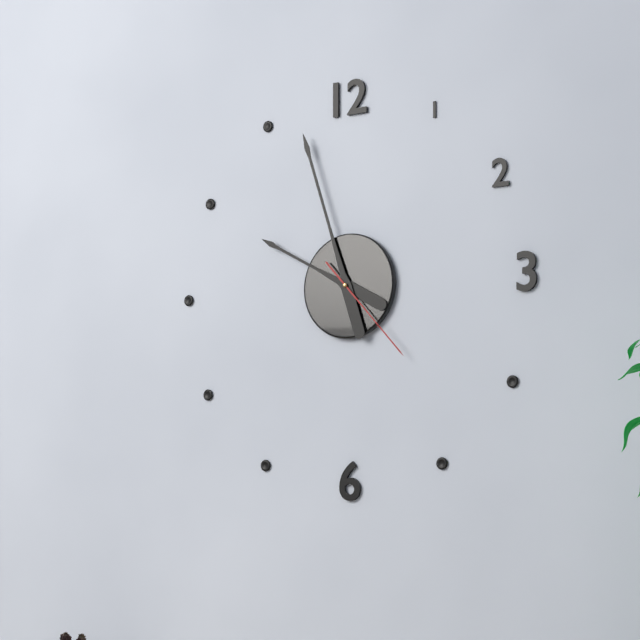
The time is 9:57:23
